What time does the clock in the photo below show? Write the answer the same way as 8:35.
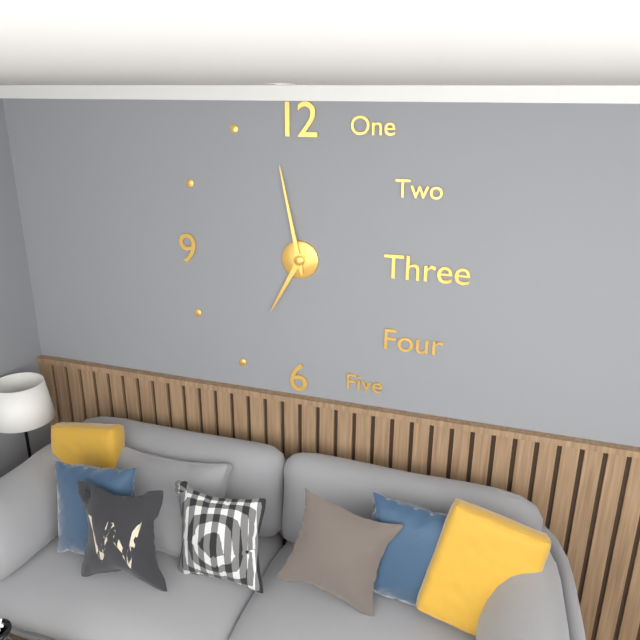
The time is 6:58
